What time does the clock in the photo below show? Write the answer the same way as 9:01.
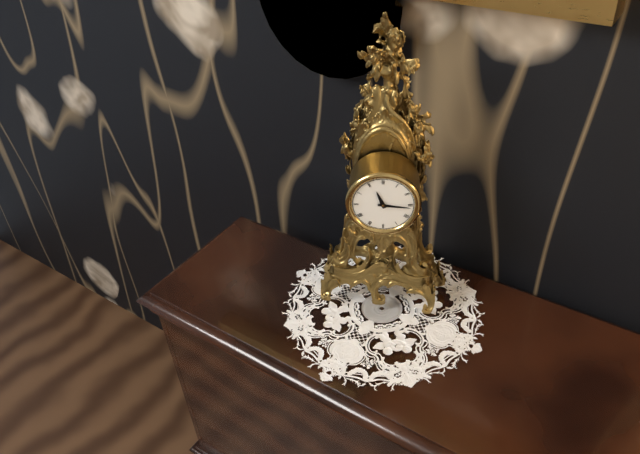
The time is 11:16
